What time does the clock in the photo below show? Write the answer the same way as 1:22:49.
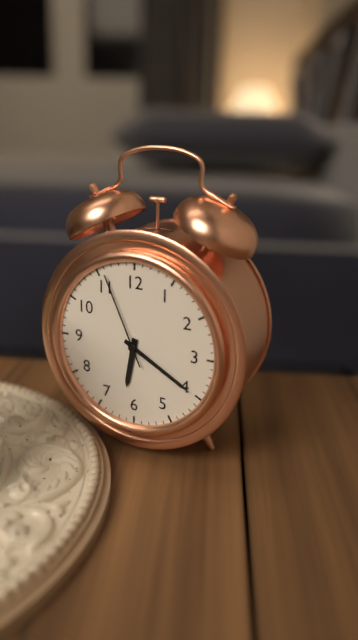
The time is 6:20:56
